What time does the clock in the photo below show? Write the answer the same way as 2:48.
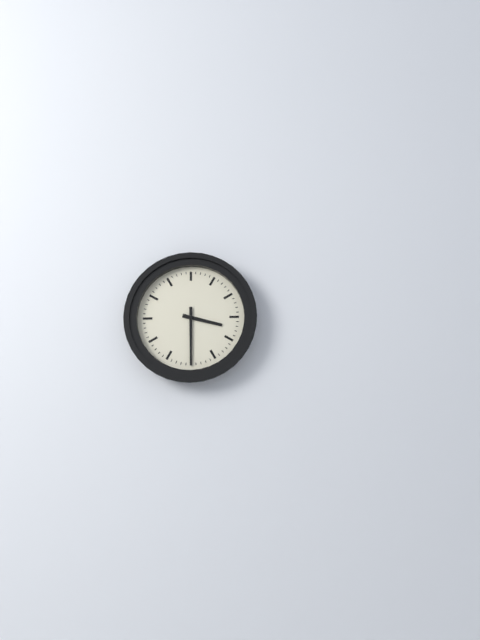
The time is 3:30
